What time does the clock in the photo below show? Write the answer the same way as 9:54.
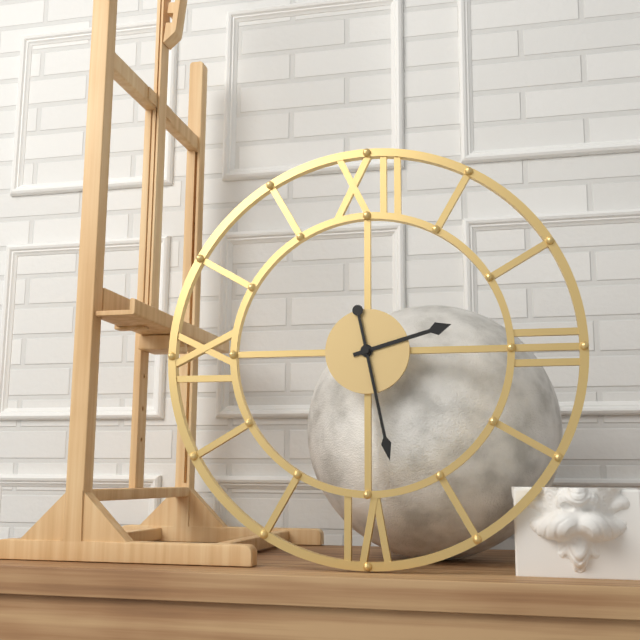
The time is 2:28
